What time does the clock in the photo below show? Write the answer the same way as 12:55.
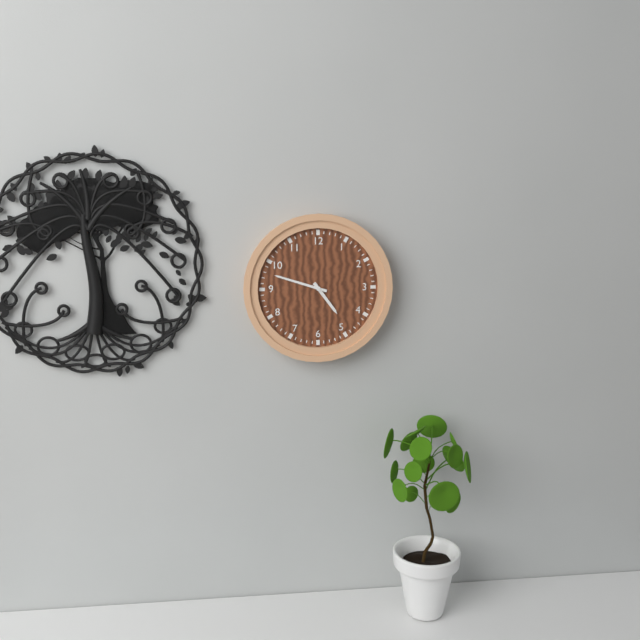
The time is 4:48
